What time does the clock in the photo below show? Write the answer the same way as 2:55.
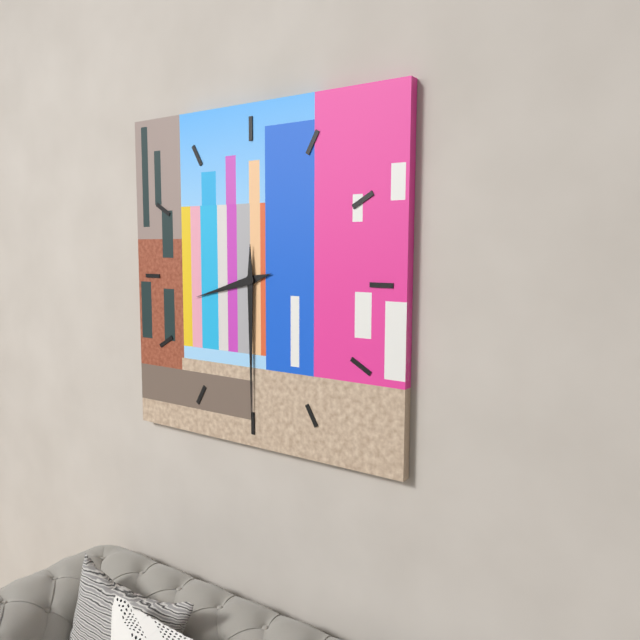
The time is 8:30
